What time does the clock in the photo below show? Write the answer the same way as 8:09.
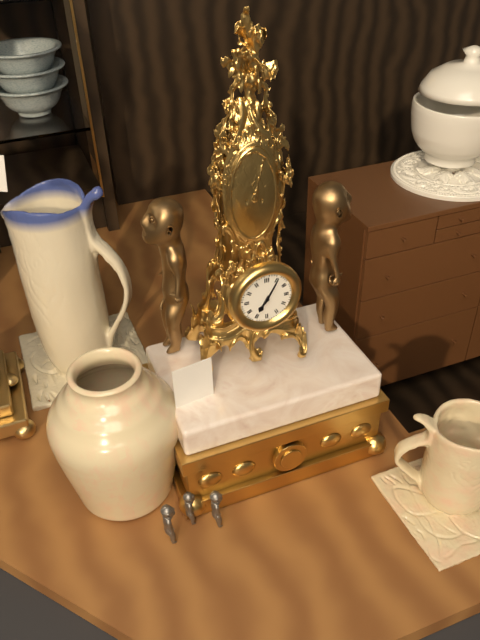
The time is 7:05
